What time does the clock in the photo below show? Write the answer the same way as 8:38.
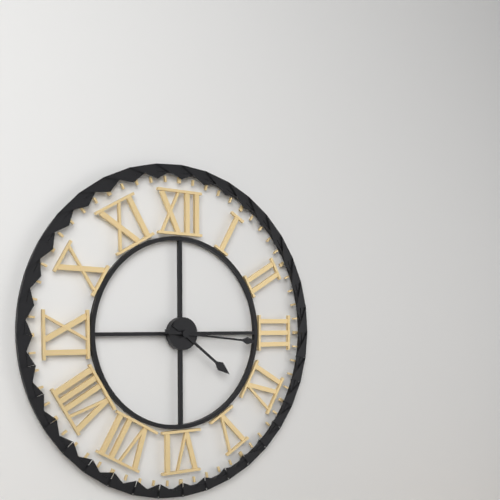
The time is 4:16
